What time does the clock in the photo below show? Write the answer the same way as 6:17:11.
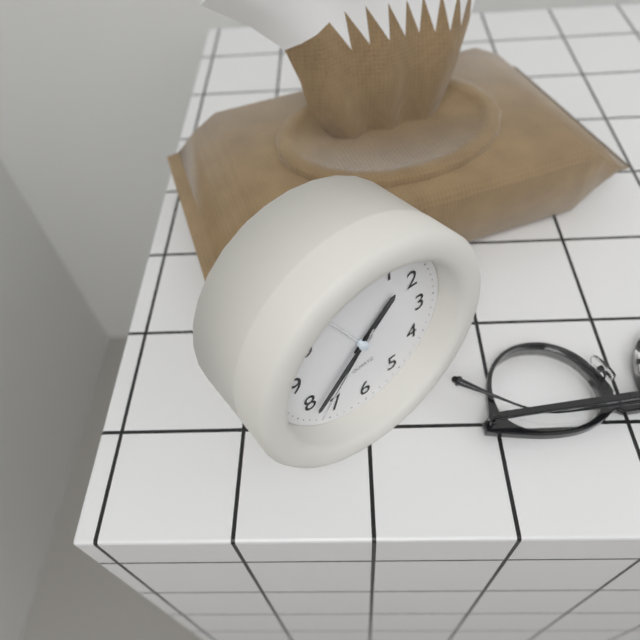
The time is 1:38:37
